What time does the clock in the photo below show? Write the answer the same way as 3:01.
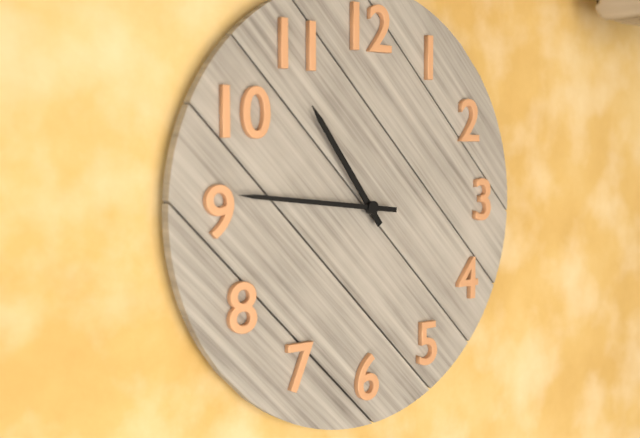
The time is 10:46
